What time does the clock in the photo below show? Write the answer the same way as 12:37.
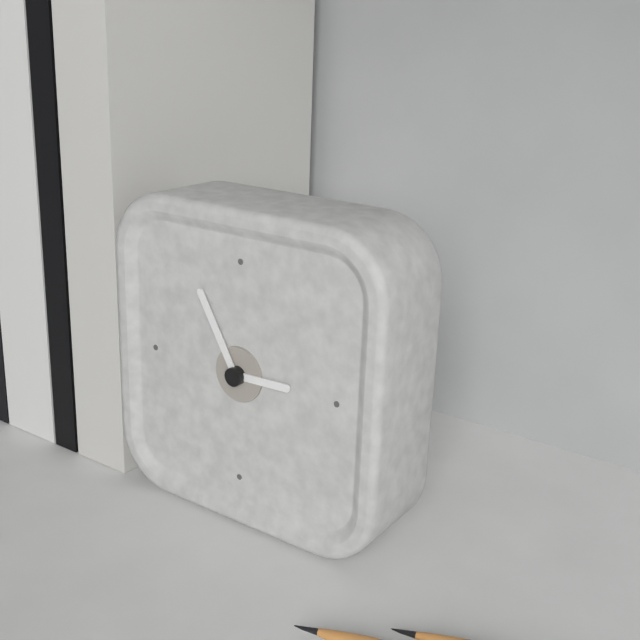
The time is 2:55
